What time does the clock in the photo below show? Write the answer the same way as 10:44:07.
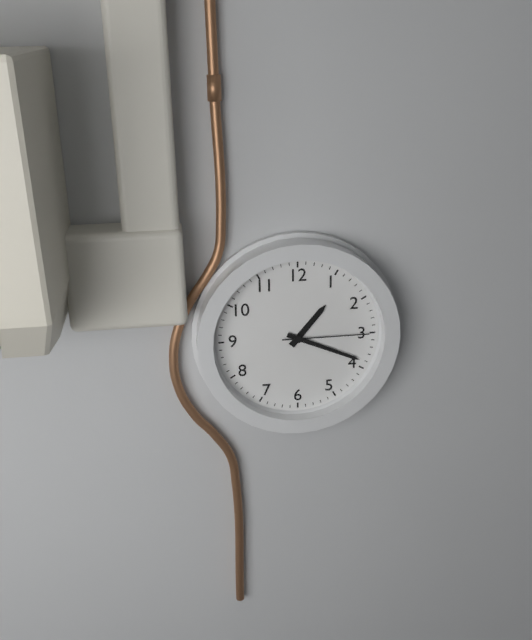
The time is 1:19:15
